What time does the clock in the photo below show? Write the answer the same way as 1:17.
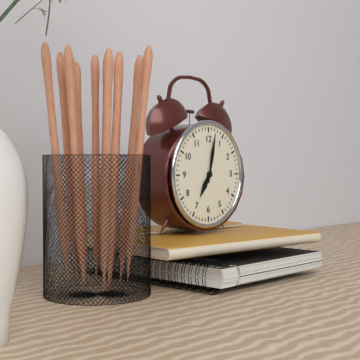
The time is 7:02
